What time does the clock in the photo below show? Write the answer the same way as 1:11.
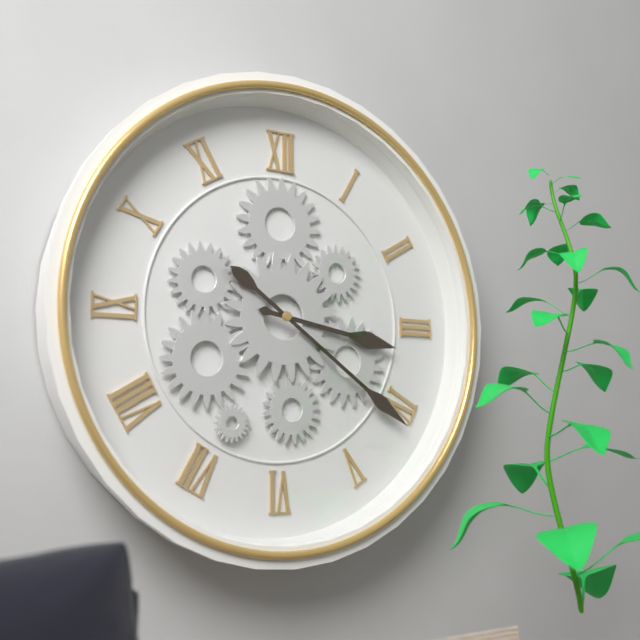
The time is 3:21
